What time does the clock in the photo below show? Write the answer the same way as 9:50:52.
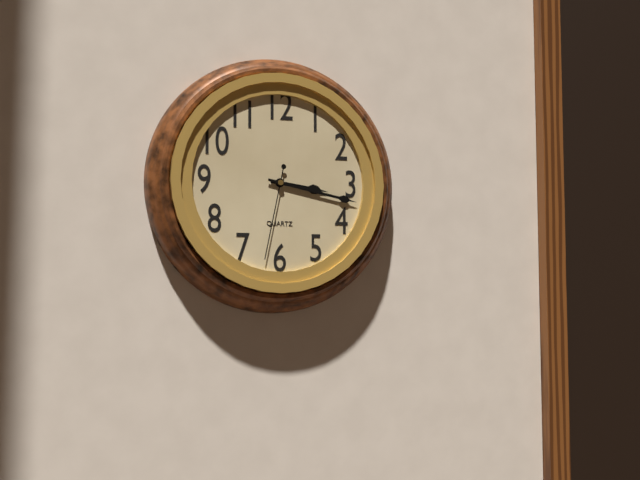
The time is 3:17:32
